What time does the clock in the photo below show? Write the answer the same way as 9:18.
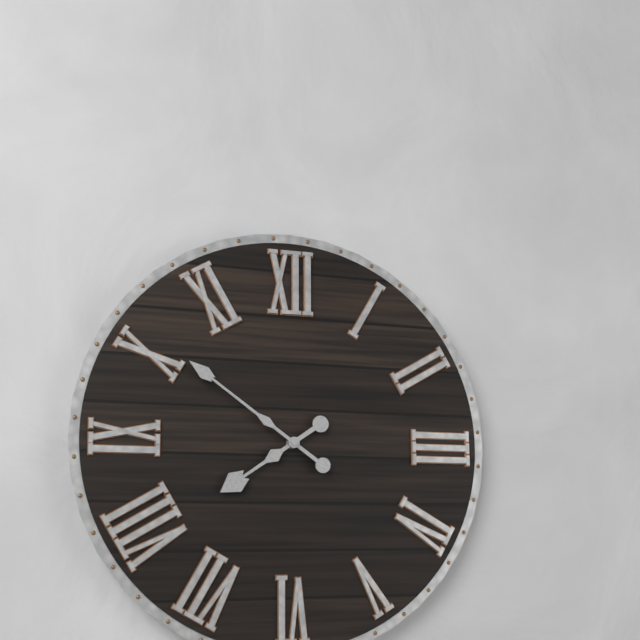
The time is 7:51
